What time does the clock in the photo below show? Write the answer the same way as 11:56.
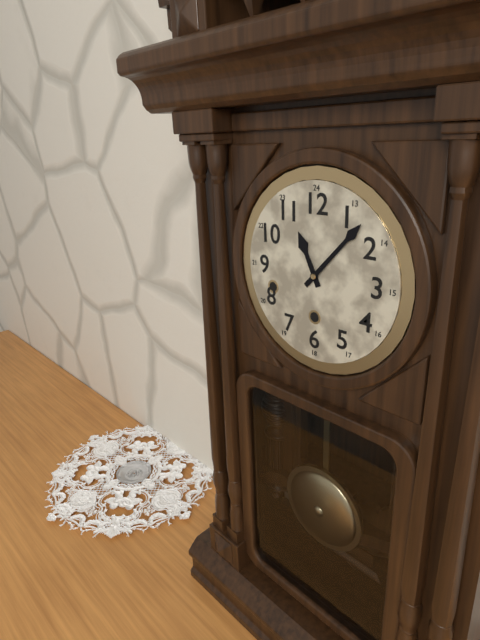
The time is 11:07
